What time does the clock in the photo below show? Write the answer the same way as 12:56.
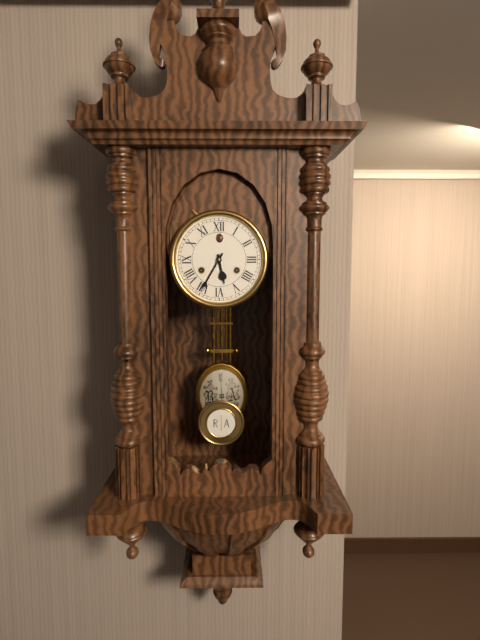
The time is 5:35
